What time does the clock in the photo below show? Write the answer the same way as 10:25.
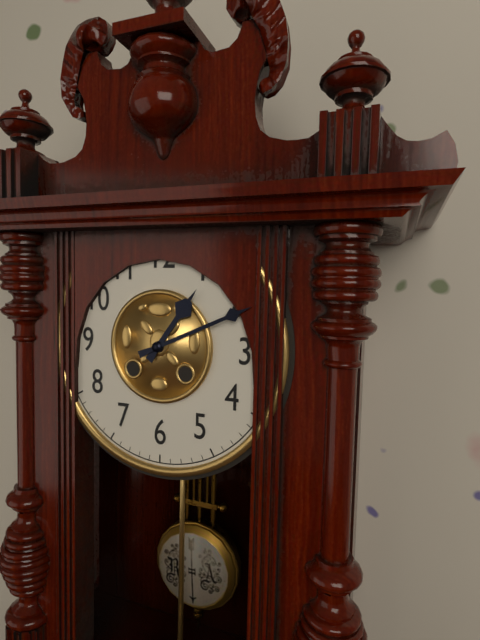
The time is 1:11
